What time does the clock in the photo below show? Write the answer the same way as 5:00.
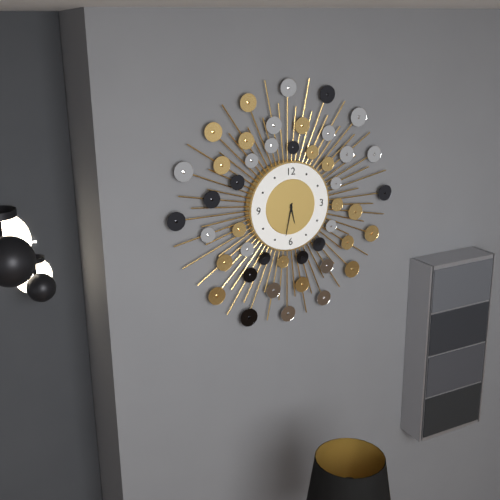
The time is 5:32
